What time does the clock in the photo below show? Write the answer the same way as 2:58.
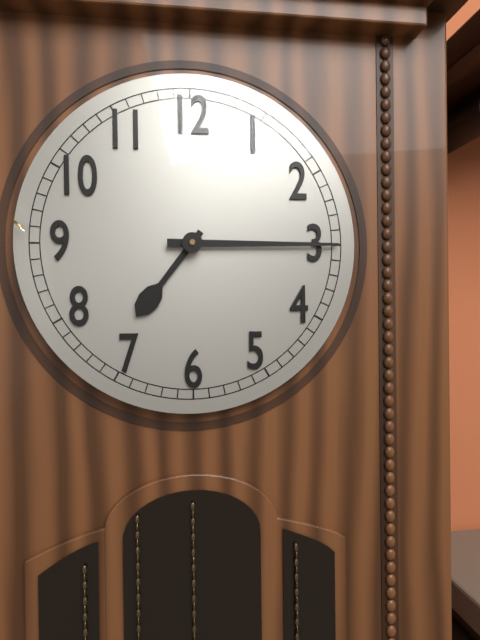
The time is 7:15
